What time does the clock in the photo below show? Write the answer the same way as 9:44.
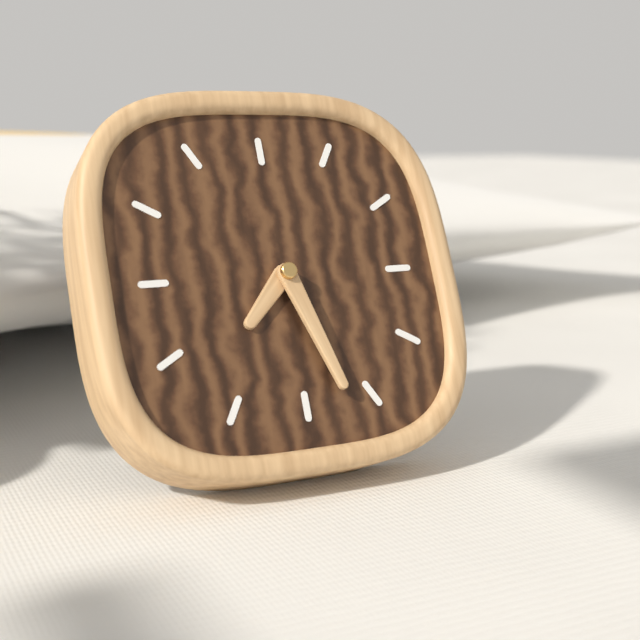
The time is 7:27
